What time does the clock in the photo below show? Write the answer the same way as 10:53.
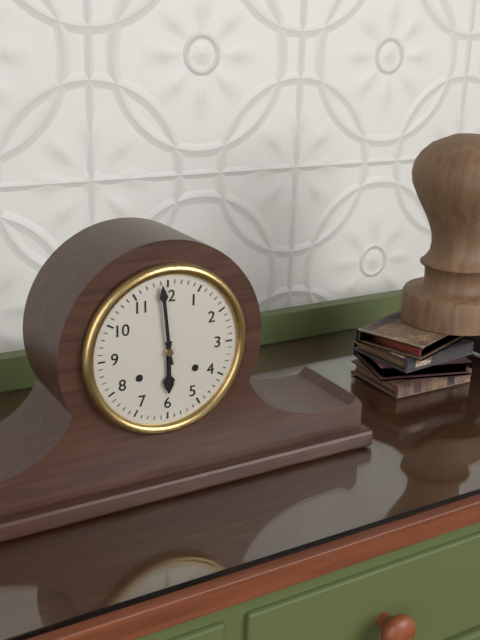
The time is 5:59
